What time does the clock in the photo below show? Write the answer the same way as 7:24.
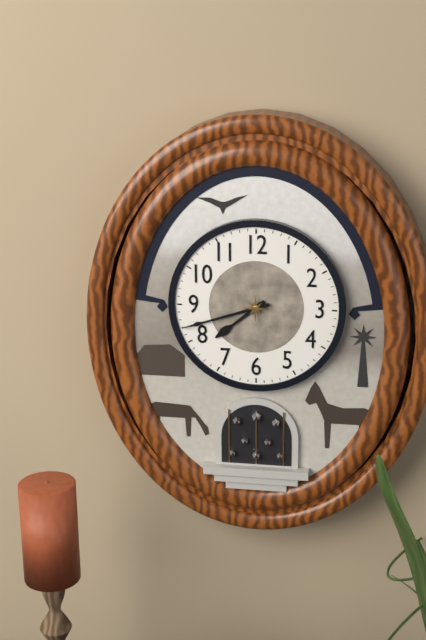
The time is 7:42
